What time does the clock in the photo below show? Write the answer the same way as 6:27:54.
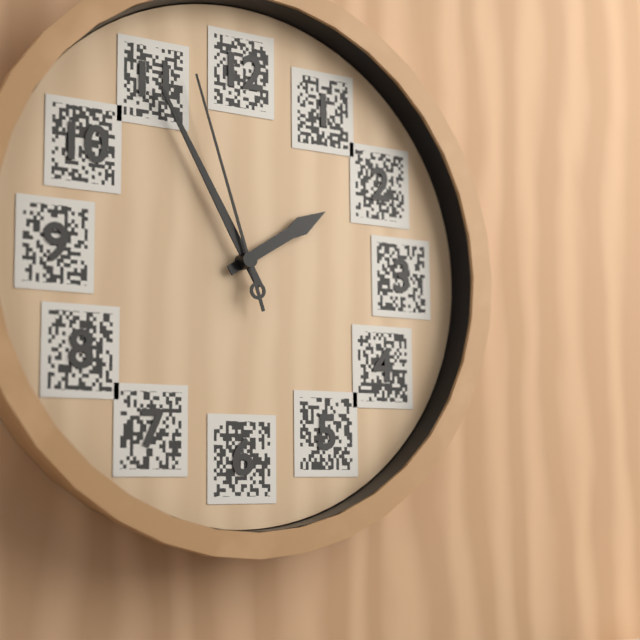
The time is 1:55:57
